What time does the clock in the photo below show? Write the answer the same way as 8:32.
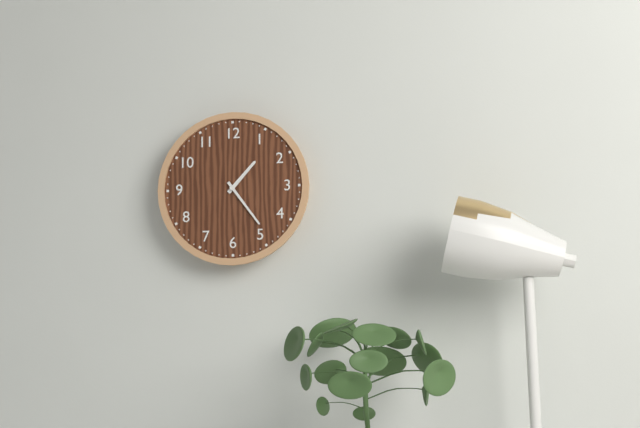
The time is 1:24
